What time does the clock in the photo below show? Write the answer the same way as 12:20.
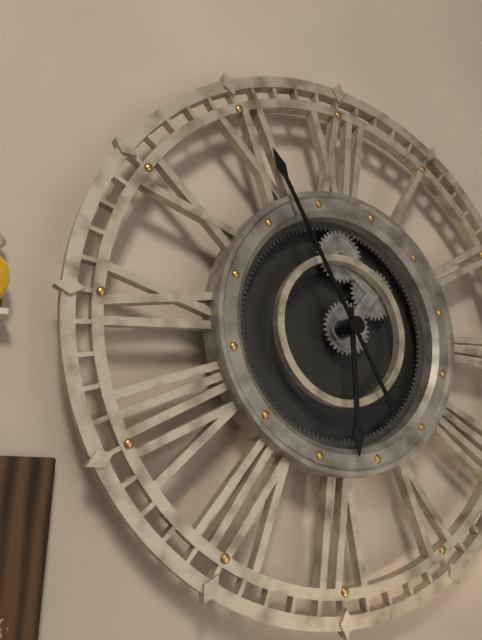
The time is 5:55
